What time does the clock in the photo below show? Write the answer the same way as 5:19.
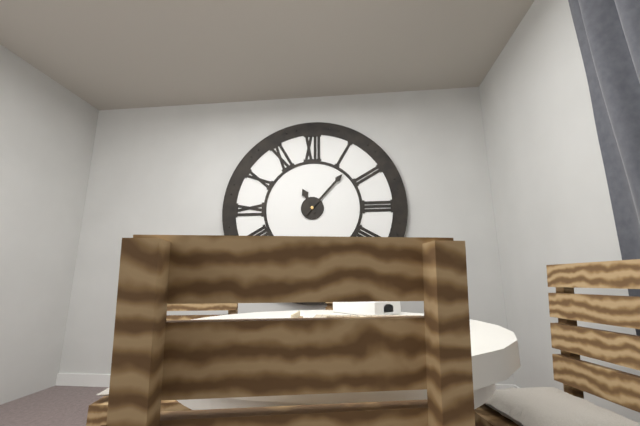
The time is 11:07
